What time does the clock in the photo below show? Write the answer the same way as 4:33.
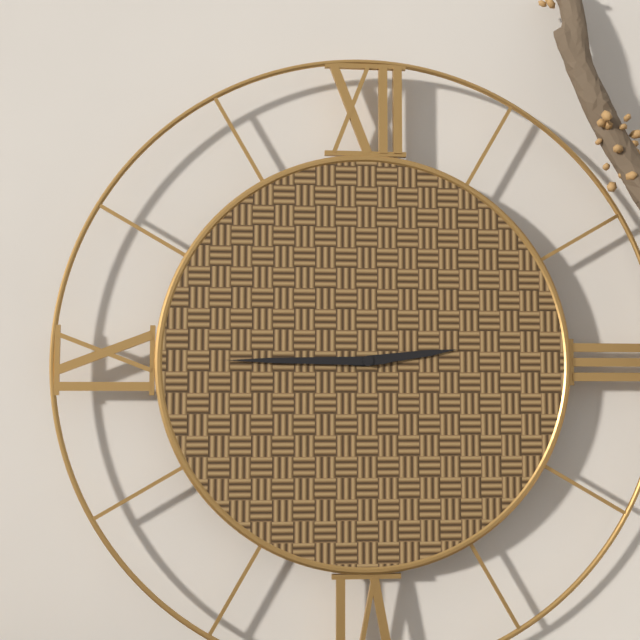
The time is 2:45
